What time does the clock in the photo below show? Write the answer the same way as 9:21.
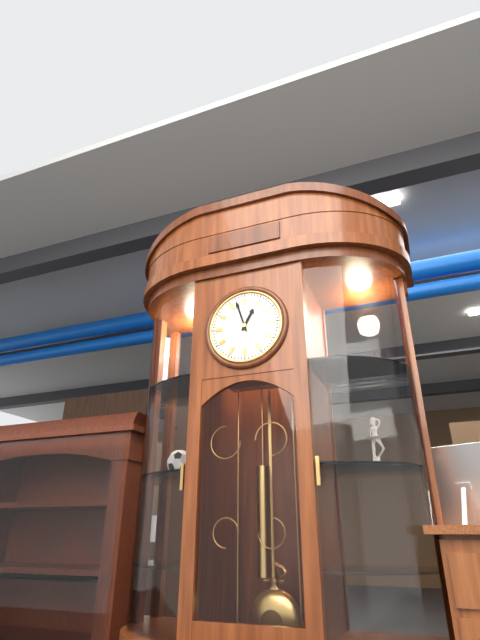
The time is 12:57
